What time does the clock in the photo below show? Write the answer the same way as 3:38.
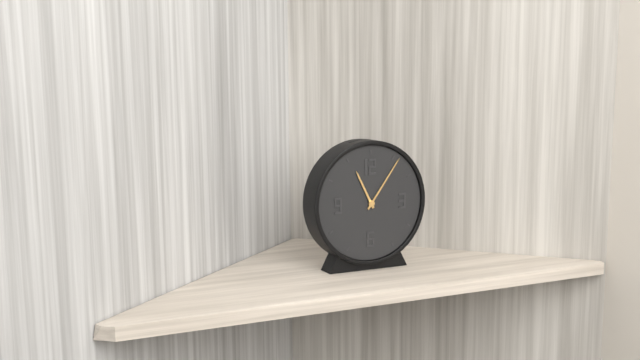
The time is 11:06
